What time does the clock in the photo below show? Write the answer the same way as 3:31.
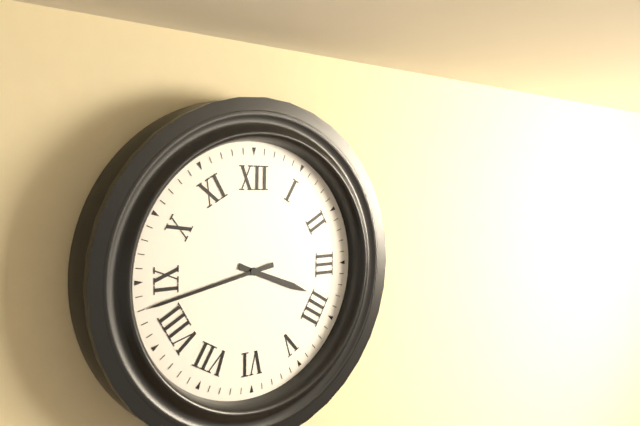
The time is 3:43
